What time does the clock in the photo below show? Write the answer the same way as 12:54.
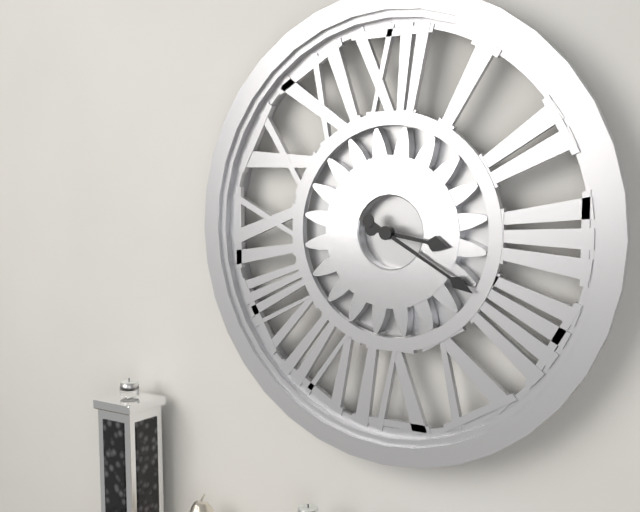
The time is 3:20
